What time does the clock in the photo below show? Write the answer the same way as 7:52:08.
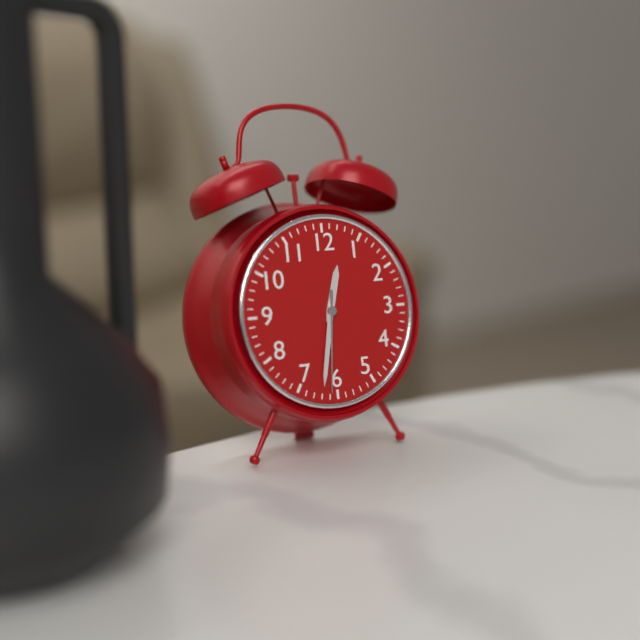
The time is 12:32:31
